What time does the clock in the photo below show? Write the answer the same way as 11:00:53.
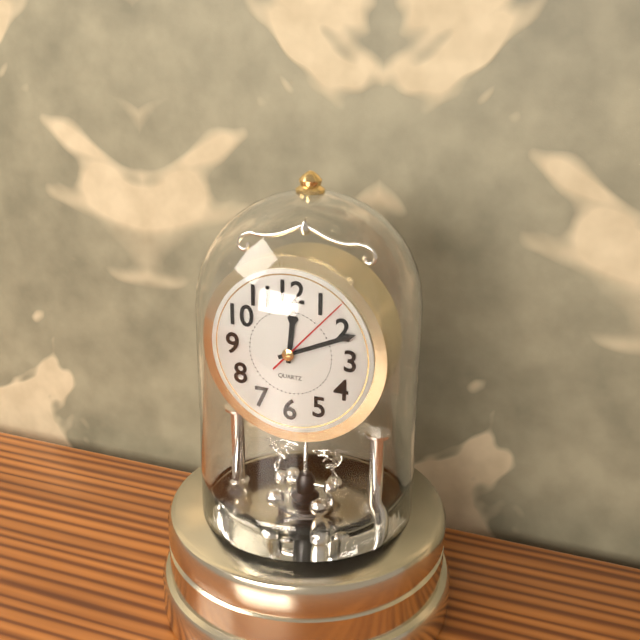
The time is 12:11:07
